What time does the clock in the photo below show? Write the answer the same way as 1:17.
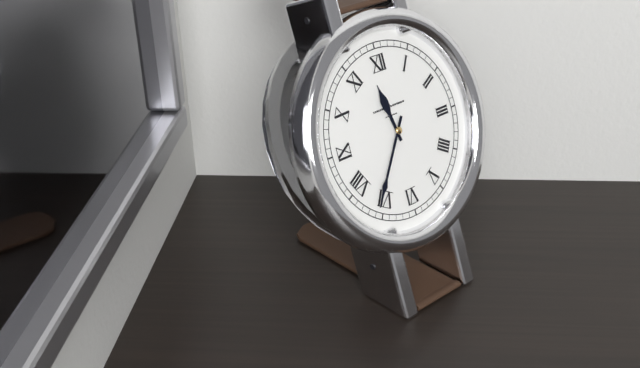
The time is 11:36
